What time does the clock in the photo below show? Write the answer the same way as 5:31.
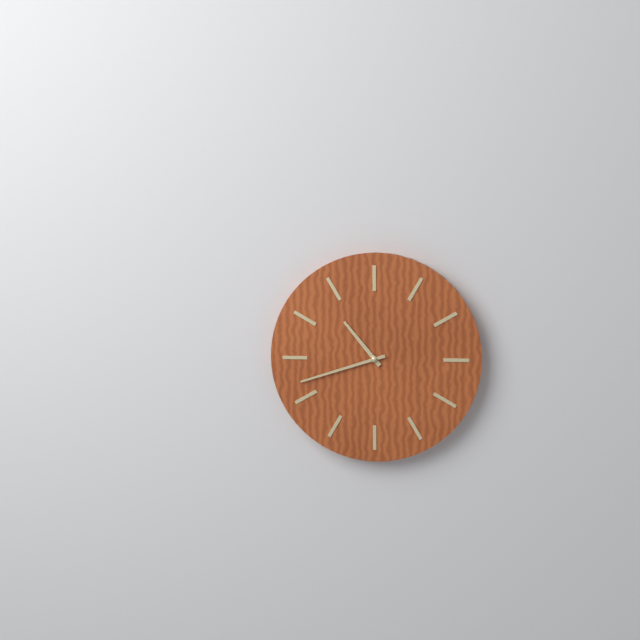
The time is 10:42
